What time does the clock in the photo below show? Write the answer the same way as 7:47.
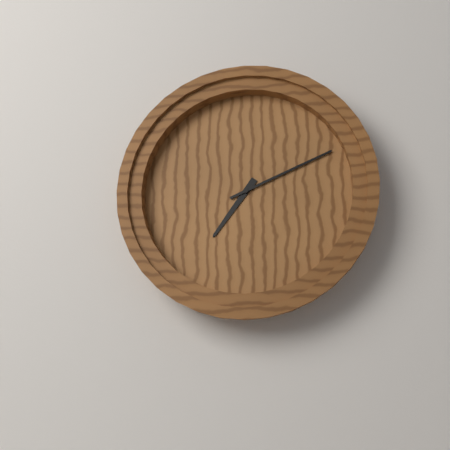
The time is 7:11
